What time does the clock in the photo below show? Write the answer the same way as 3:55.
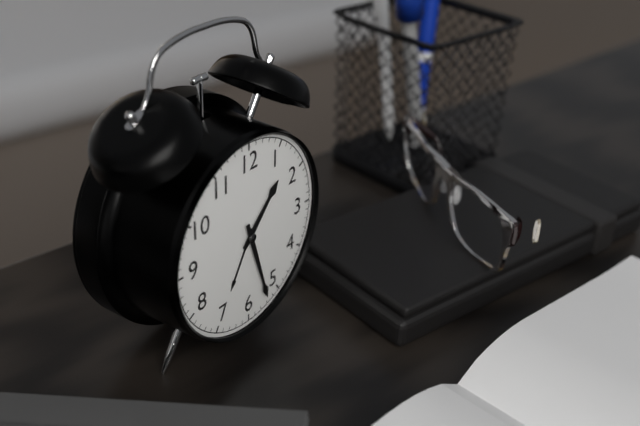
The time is 1:27
